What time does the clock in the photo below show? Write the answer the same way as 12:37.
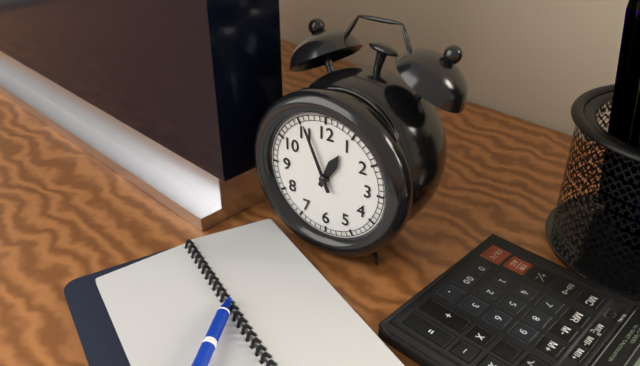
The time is 12:56
